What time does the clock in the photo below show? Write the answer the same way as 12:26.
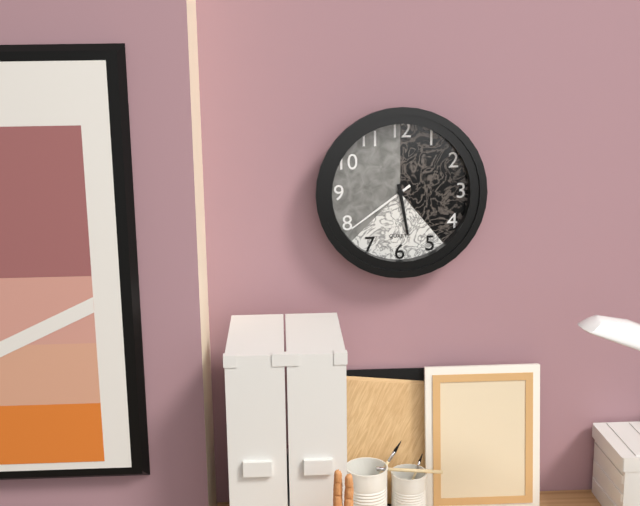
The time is 5:39
